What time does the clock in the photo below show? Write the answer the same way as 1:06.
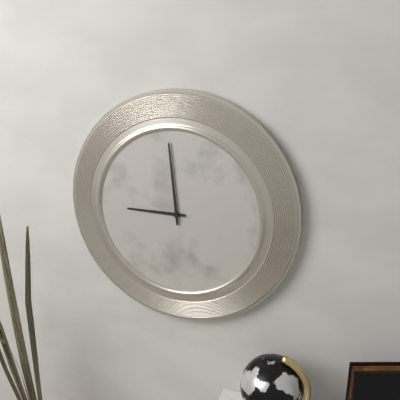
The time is 8:59
